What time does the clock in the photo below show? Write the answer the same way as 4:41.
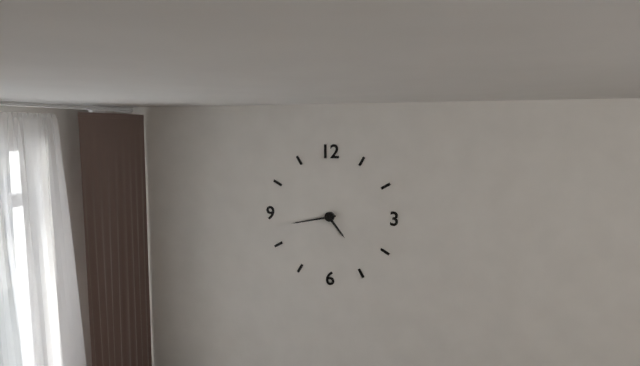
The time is 4:43
